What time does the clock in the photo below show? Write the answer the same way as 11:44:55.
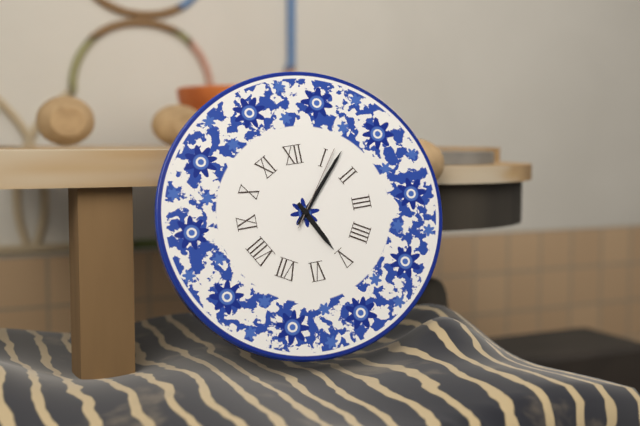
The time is 5:07:06
